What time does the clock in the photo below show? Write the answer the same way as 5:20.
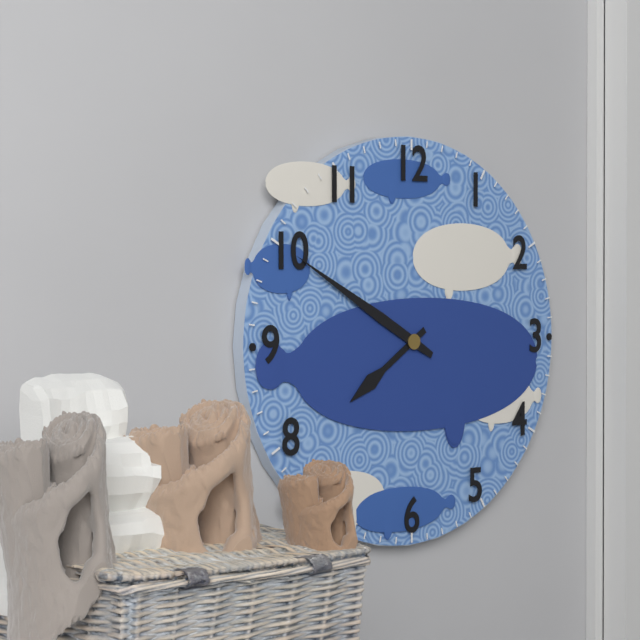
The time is 7:50
